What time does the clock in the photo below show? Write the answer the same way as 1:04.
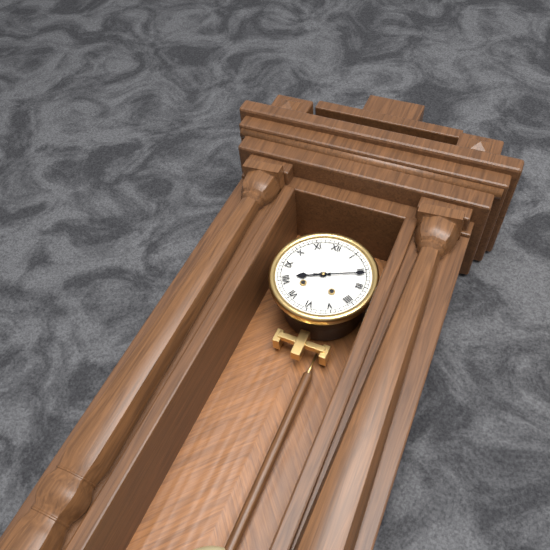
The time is 8:11
